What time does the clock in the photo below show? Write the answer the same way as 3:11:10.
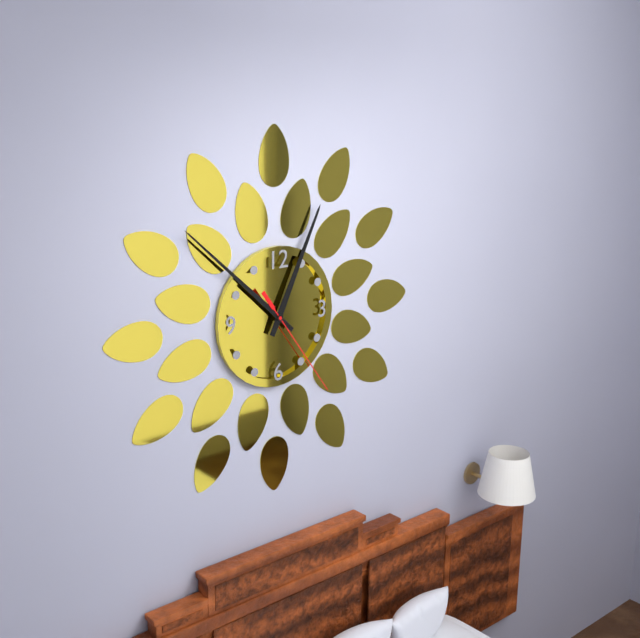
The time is 12:52:24
